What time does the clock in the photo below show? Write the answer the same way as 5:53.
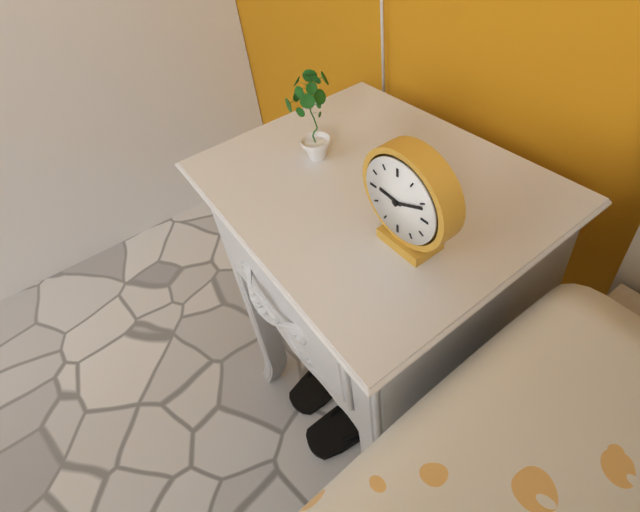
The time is 9:11
